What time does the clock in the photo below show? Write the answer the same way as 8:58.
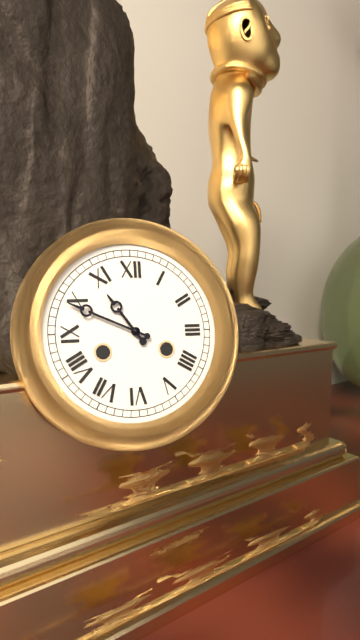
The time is 10:49
